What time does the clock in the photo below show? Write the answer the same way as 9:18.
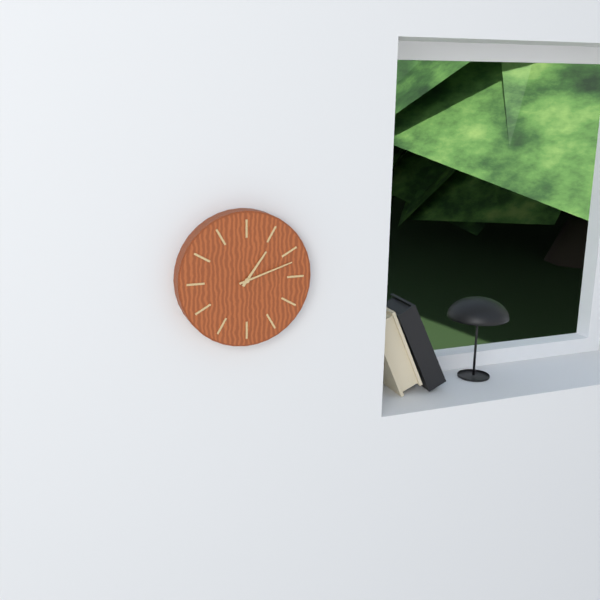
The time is 1:12
